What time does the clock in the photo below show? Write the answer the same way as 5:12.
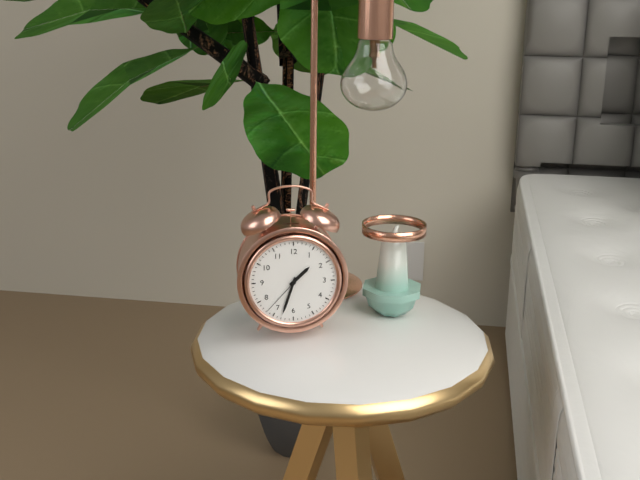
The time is 1:33
